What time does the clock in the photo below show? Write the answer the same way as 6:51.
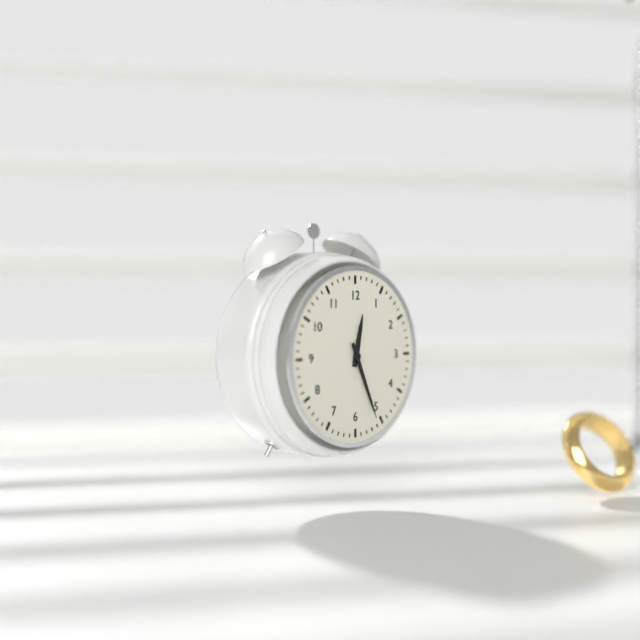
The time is 12:26
